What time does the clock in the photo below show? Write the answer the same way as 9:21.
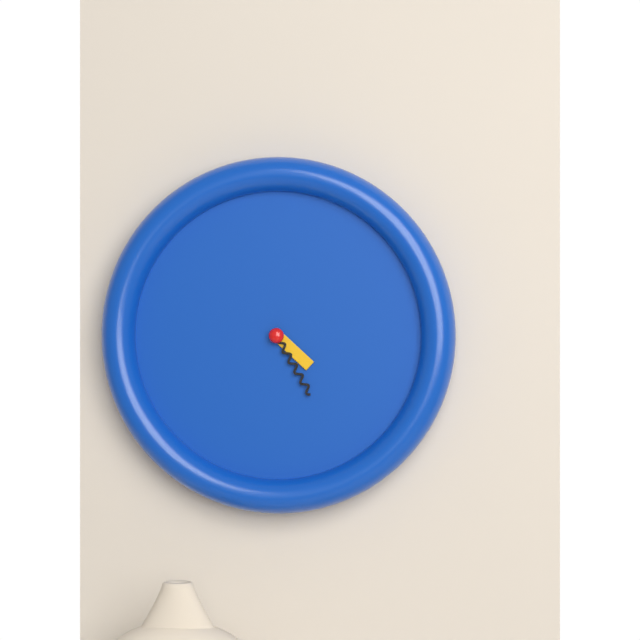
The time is 4:25
